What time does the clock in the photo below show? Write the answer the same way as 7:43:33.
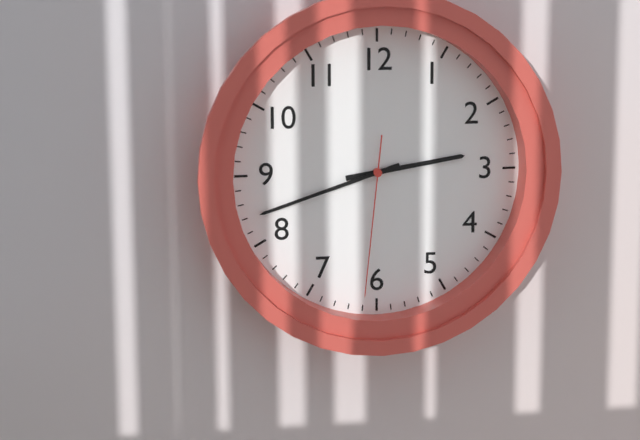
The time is 2:42:31
